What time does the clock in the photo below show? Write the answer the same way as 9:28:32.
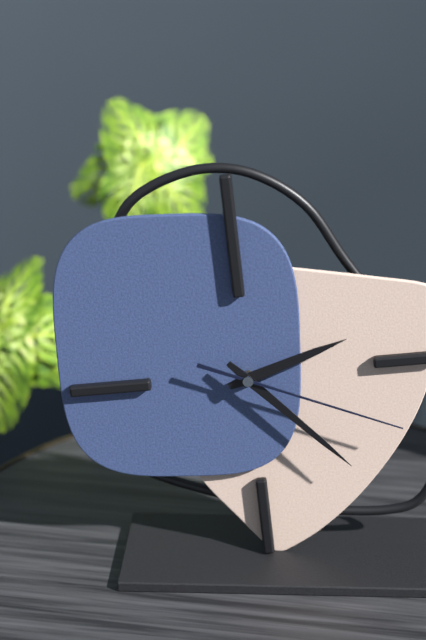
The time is 2:23:19
